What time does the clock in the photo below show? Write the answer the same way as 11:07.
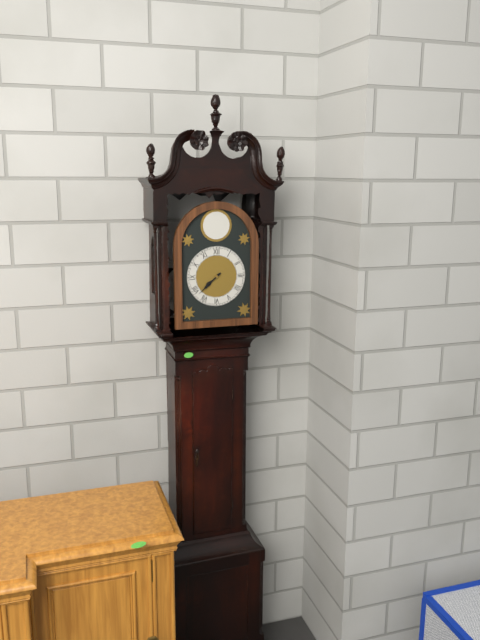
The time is 7:38
